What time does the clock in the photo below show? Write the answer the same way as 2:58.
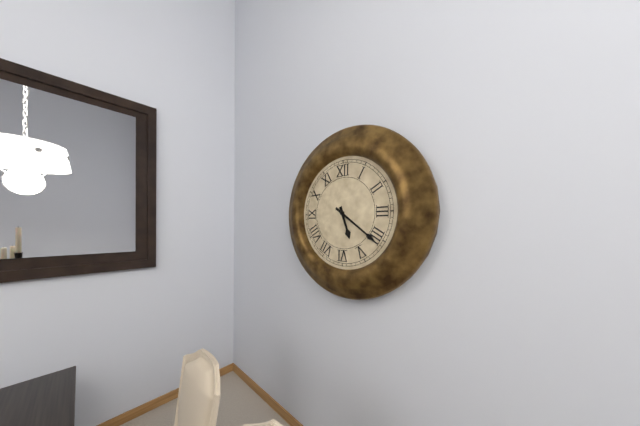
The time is 5:21
